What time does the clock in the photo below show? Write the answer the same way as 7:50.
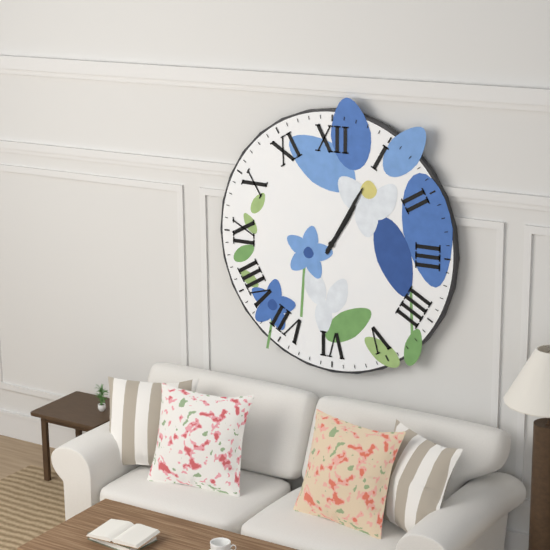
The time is 1:05
